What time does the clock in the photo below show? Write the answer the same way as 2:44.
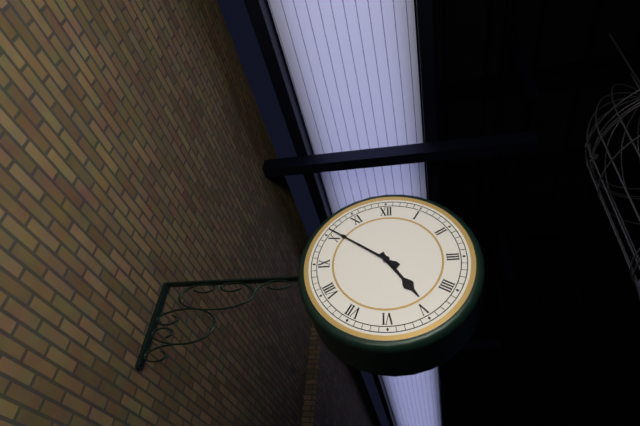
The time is 4:51
